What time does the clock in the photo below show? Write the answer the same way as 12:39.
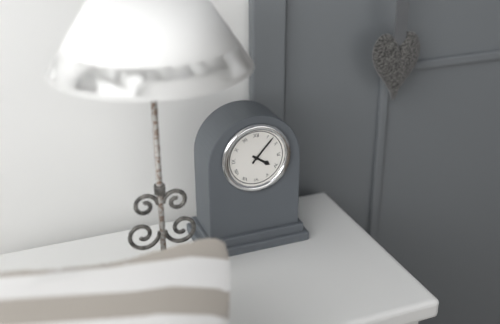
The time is 4:07
